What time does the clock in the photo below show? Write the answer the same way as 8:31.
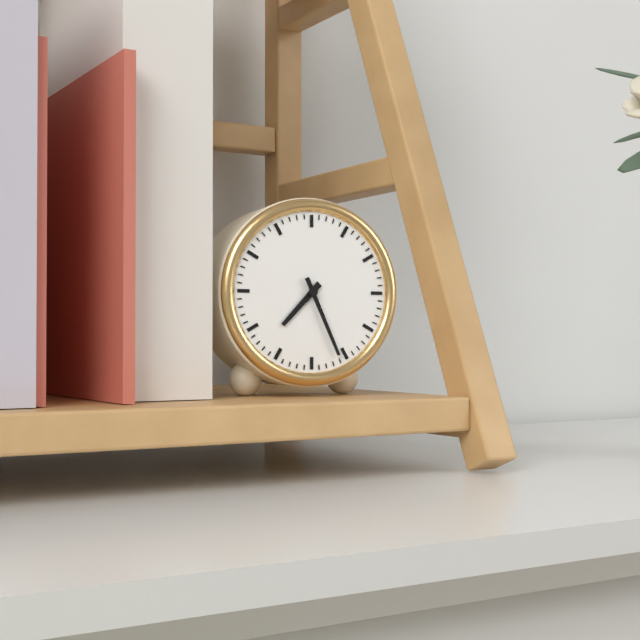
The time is 7:26
